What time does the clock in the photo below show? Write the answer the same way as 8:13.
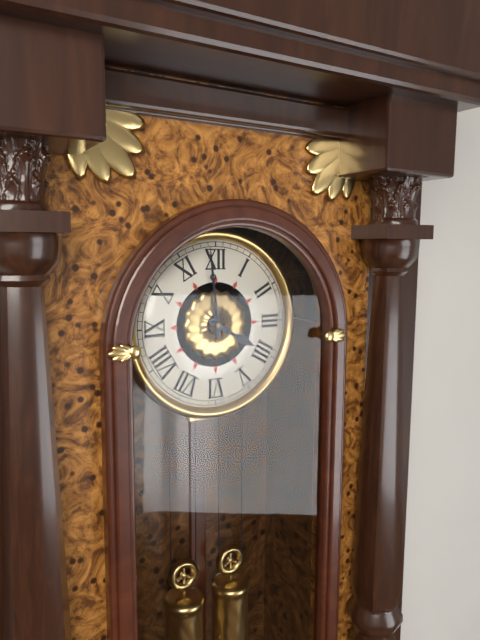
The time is 3:59
